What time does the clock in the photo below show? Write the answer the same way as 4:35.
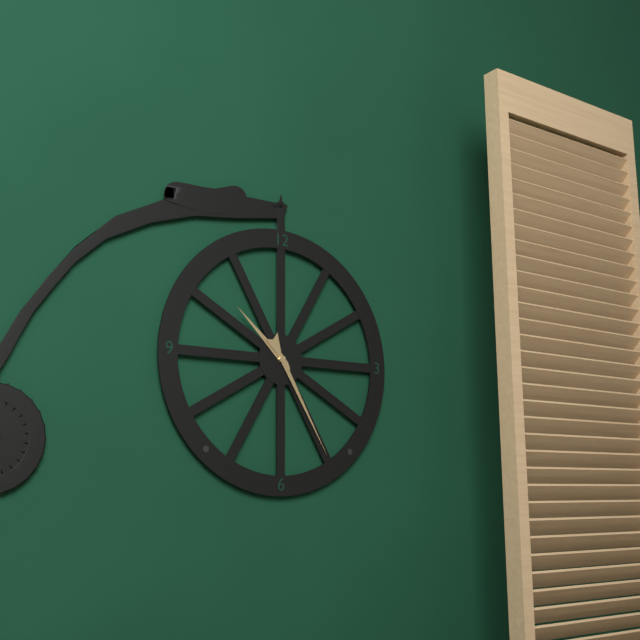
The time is 10:25
